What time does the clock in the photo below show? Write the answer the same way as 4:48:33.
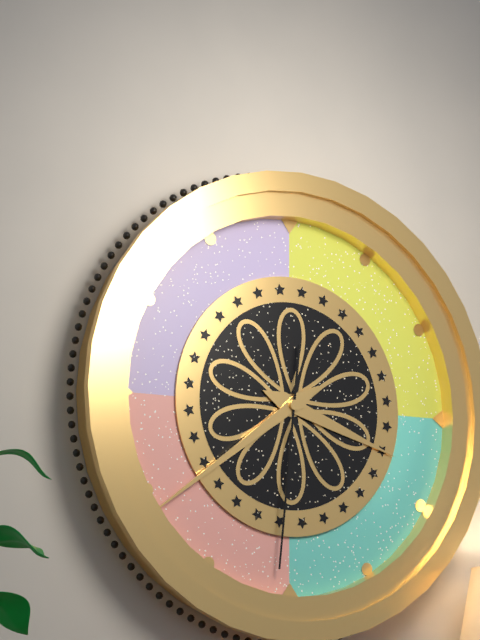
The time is 3:39:31
